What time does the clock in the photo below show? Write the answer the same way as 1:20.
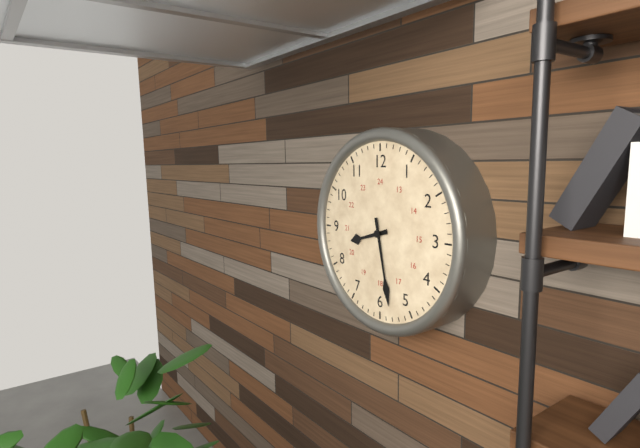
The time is 8:28
